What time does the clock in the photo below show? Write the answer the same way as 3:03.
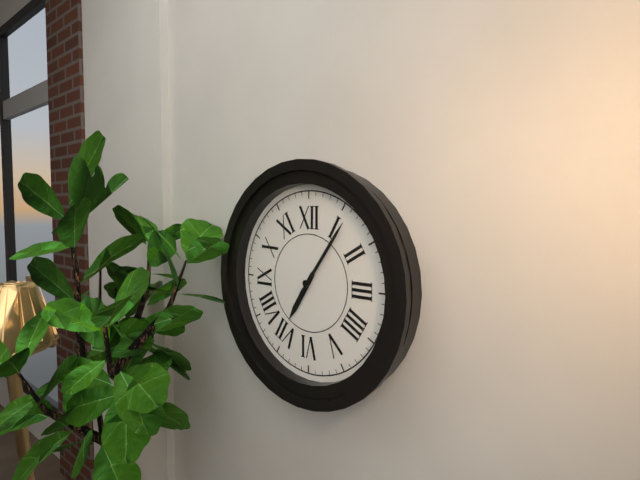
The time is 7:06
